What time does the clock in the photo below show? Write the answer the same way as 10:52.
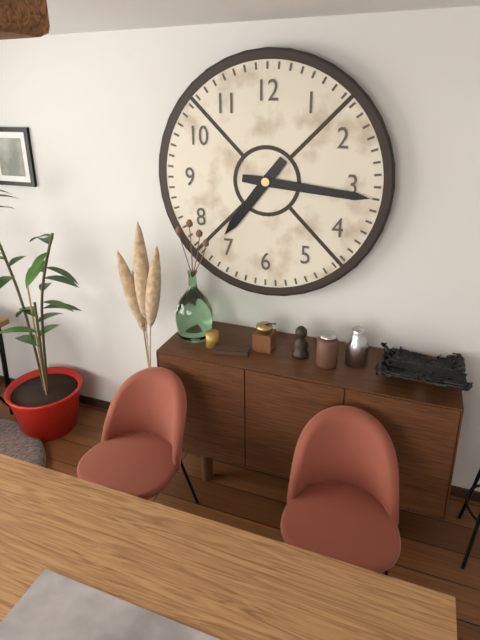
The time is 7:16
